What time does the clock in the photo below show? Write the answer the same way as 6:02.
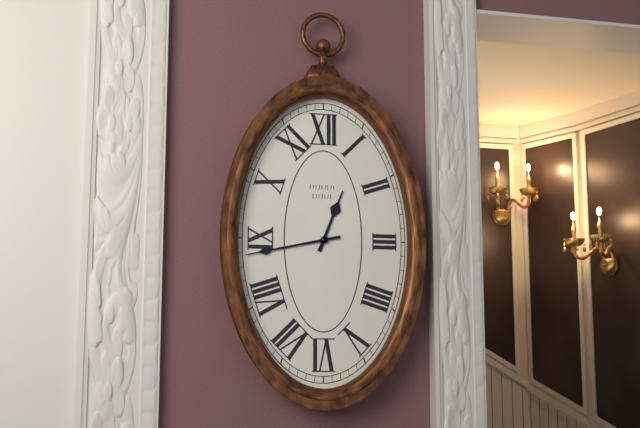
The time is 12:43
